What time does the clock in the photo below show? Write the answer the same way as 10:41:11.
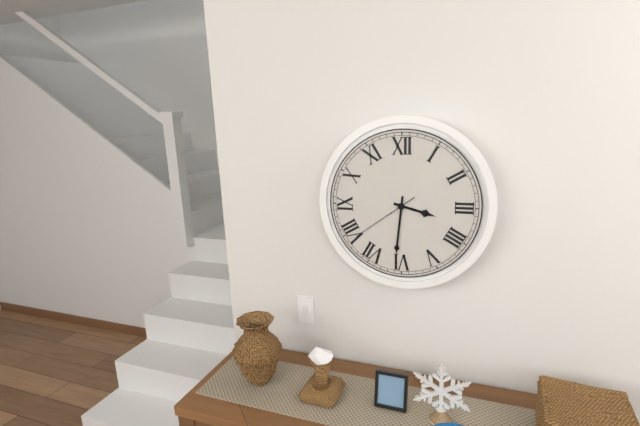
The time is 3:31:39
